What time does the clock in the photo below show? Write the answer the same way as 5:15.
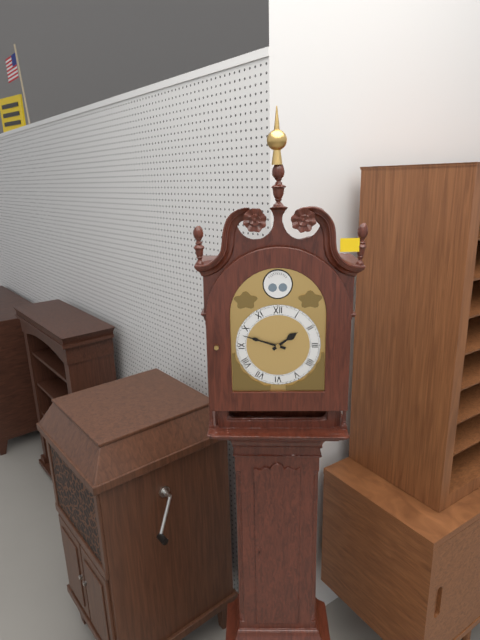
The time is 1:48
